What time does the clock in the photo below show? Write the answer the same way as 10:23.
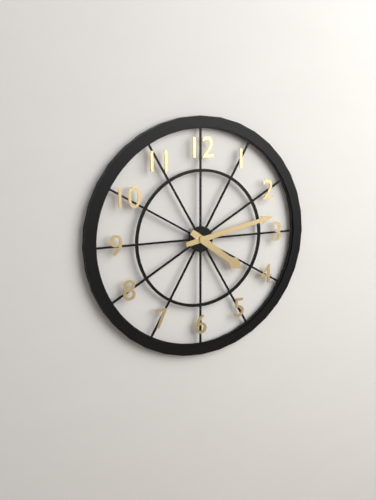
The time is 4:13
